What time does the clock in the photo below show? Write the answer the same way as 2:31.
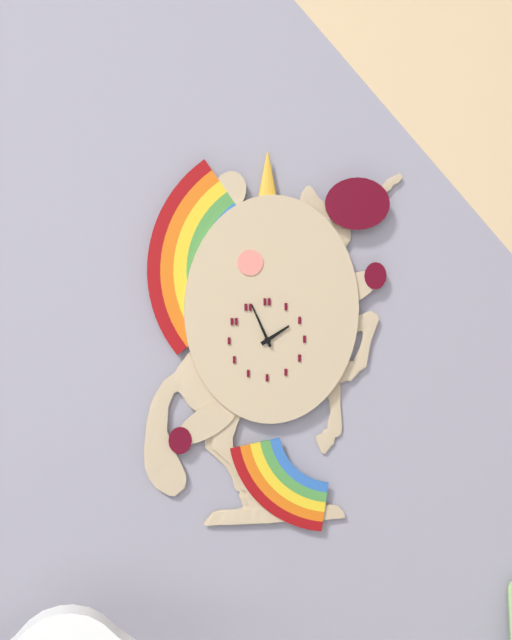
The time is 1:56
